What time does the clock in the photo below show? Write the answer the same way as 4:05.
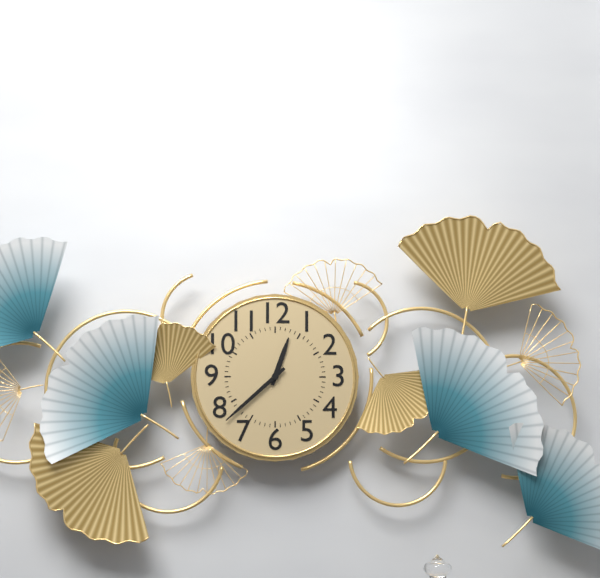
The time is 12:38
